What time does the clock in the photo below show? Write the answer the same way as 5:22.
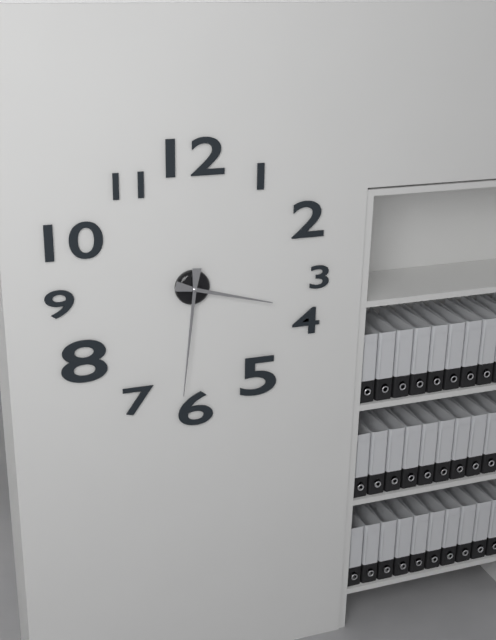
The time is 3:31
